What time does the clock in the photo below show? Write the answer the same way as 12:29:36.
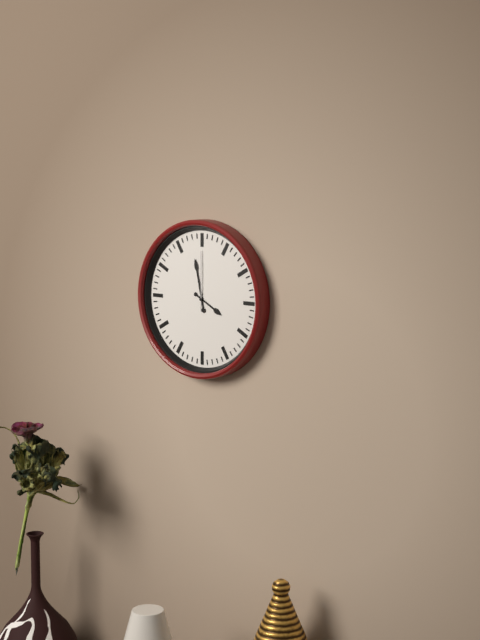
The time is 3:58:00
